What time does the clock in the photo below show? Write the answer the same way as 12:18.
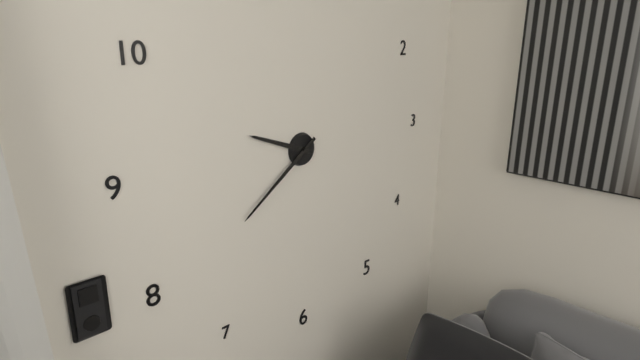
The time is 9:39
